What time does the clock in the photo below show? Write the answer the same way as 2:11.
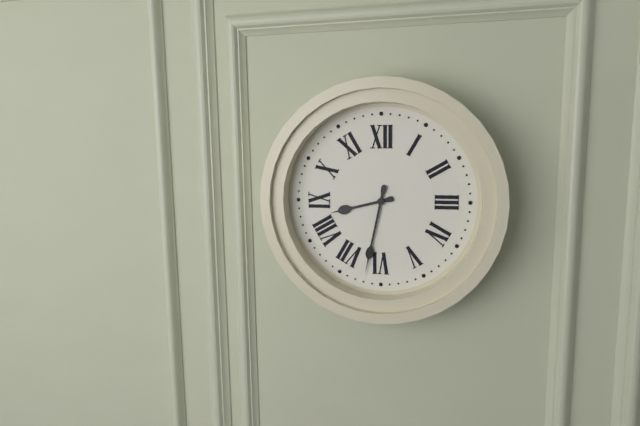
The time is 8:32
